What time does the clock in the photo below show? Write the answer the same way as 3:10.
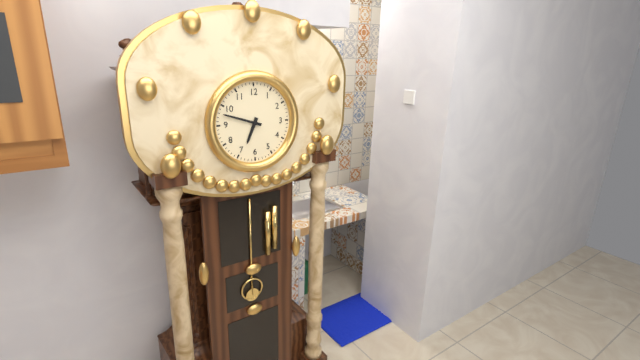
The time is 6:48
